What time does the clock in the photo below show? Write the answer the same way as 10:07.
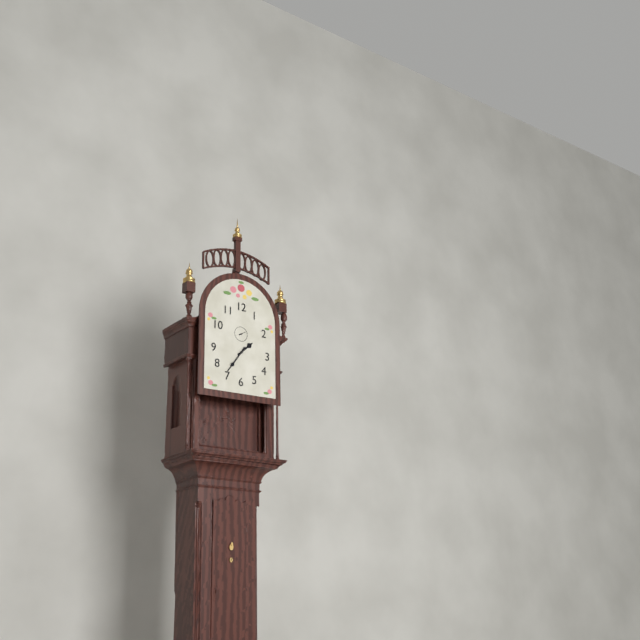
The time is 1:36
